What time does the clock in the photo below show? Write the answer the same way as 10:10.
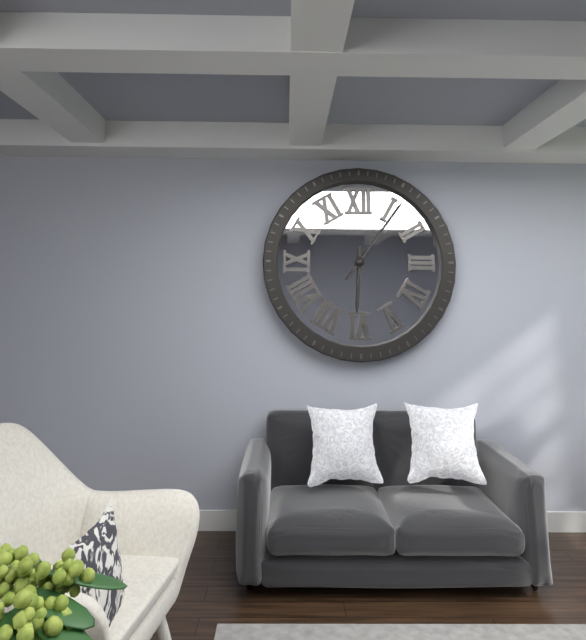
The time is 6:06
